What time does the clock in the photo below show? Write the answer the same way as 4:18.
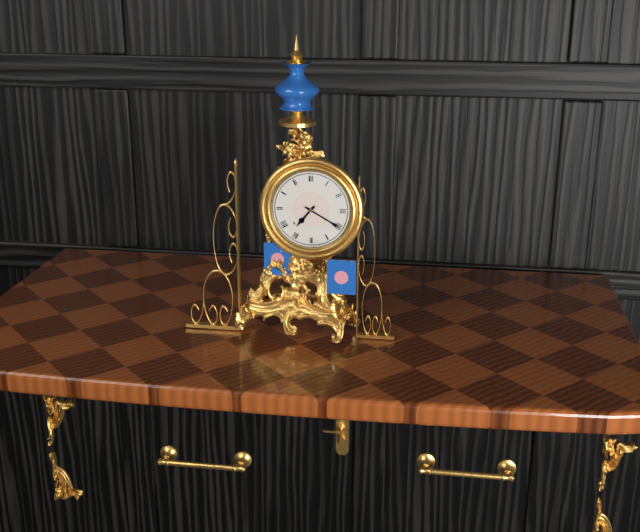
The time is 7:20
